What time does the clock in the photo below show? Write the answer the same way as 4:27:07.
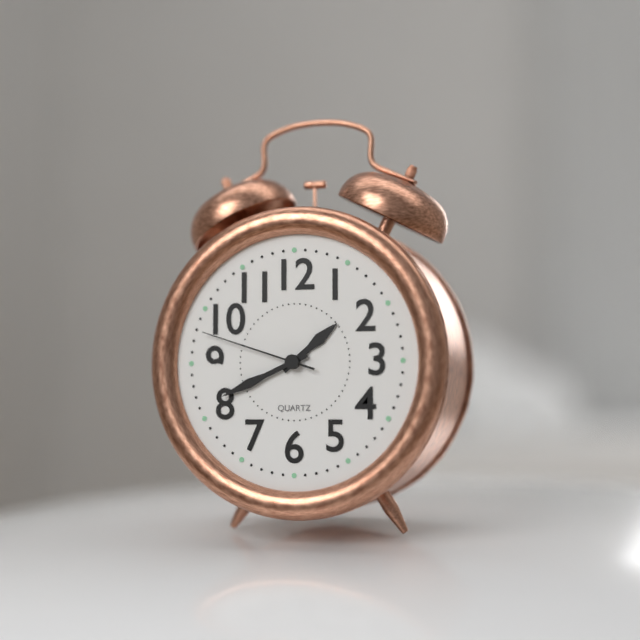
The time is 1:41:48
